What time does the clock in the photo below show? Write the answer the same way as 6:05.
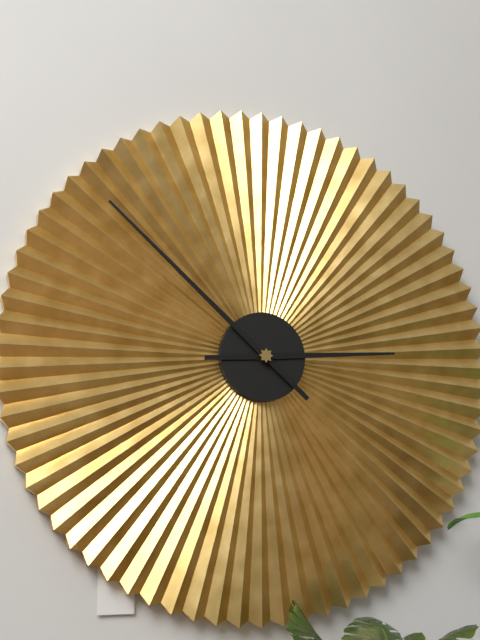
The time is 2:52
